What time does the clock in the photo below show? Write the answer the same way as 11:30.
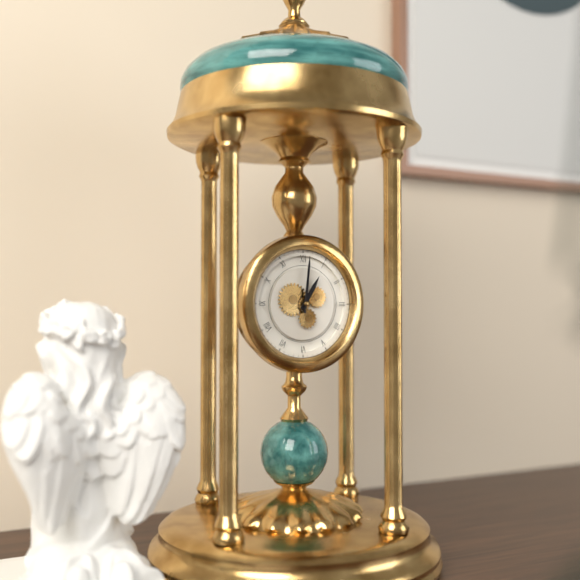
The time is 1:01
